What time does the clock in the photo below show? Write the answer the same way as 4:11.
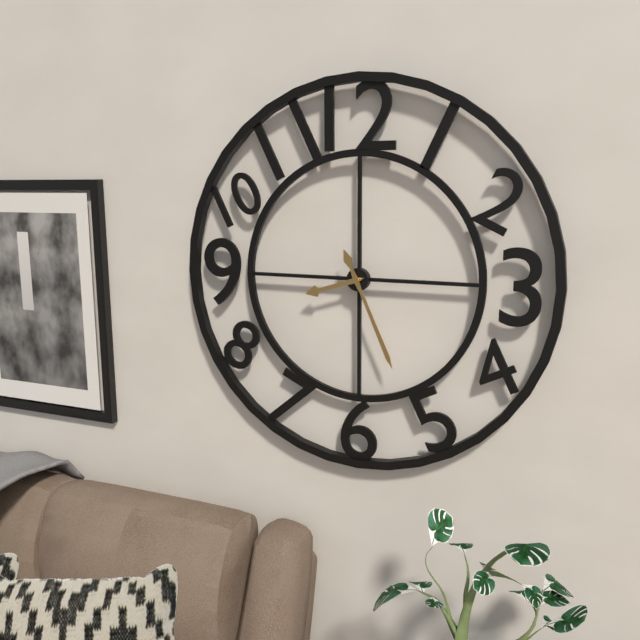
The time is 8:26
